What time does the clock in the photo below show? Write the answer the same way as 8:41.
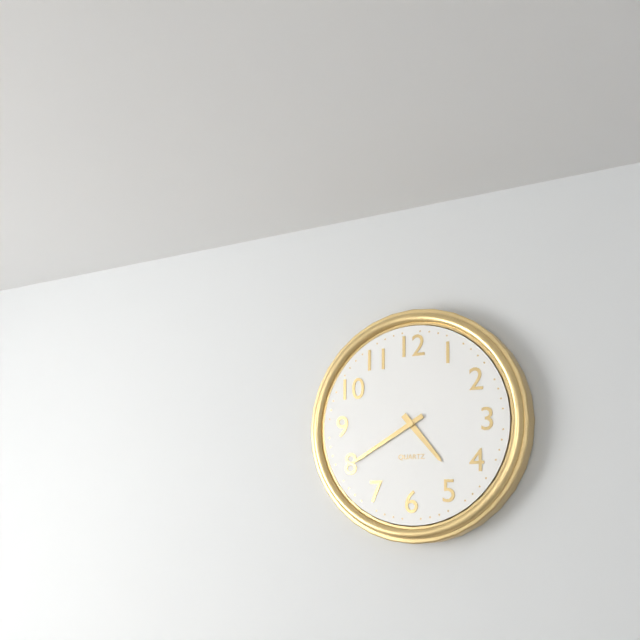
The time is 4:40
